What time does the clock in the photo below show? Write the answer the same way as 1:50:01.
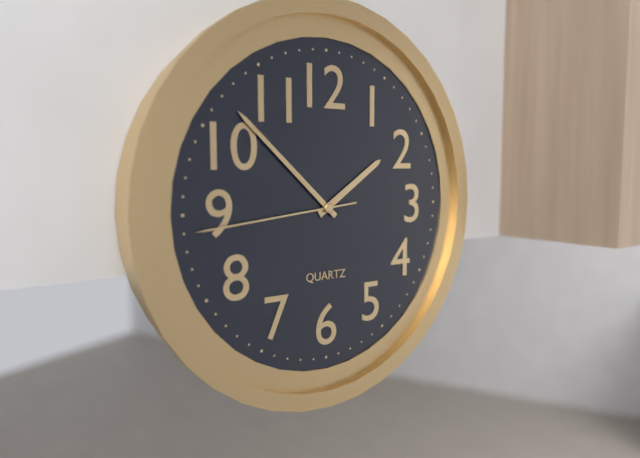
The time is 1:52:44
